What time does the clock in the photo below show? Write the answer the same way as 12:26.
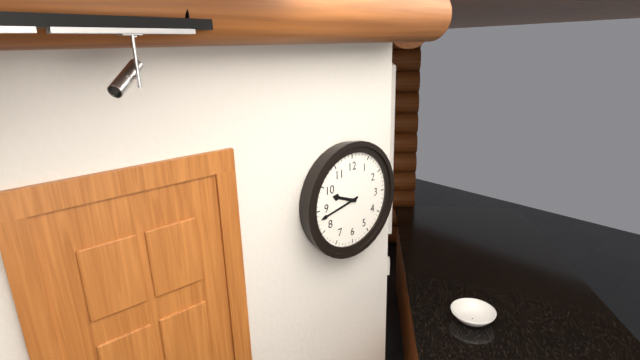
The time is 9:43
